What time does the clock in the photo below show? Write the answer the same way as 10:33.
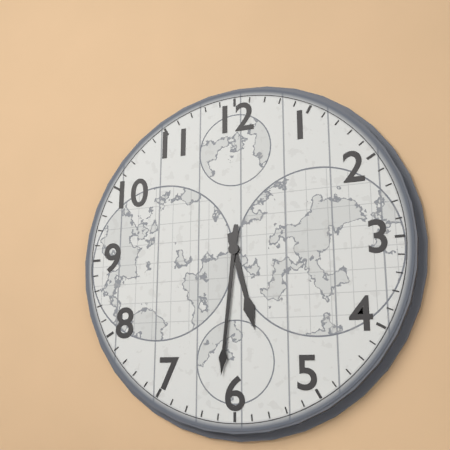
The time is 5:31
